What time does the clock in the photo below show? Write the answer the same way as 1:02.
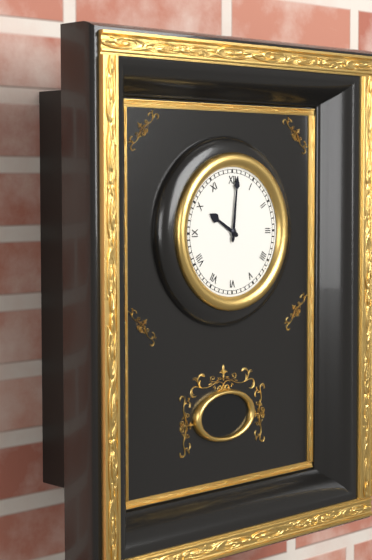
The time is 10:01
